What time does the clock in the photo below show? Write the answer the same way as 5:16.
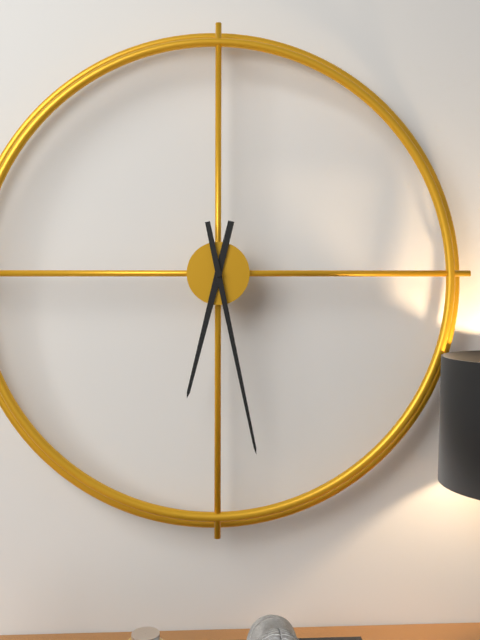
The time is 6:28
